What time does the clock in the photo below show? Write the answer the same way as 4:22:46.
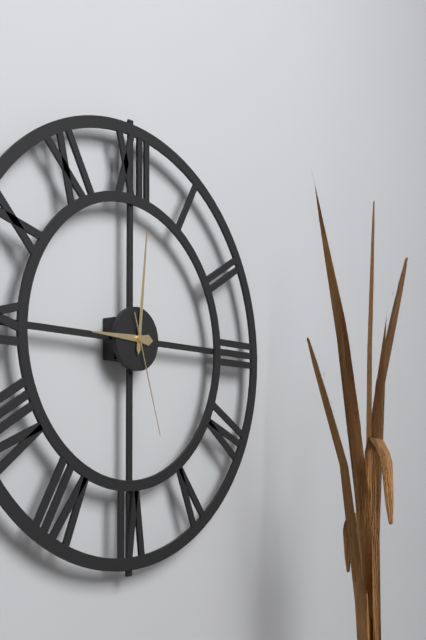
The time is 9:01:27
